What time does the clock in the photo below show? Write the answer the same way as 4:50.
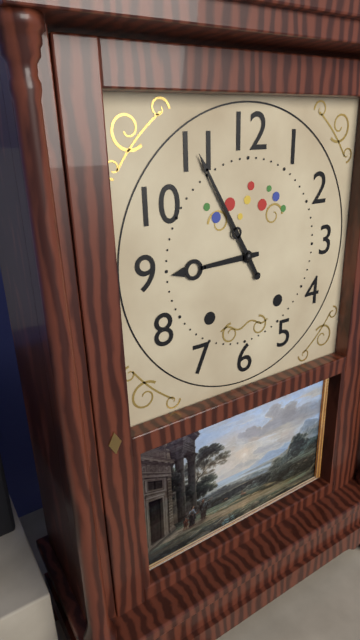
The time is 8:55
